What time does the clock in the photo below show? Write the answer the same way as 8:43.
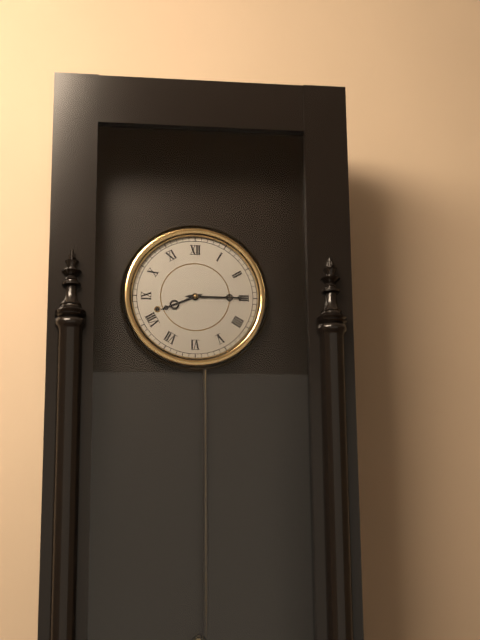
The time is 8:15
